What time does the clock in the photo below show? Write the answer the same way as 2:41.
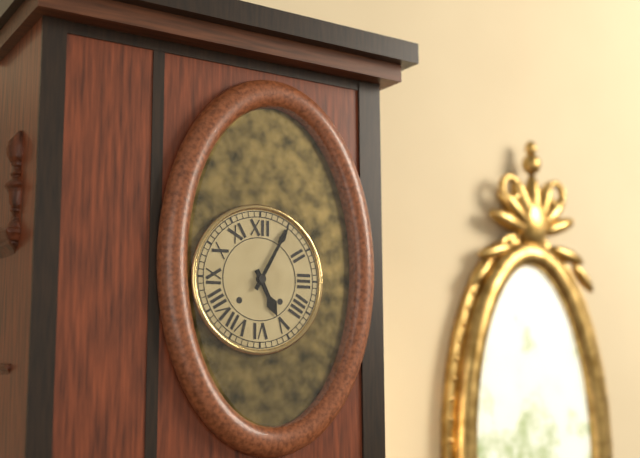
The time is 5:05
